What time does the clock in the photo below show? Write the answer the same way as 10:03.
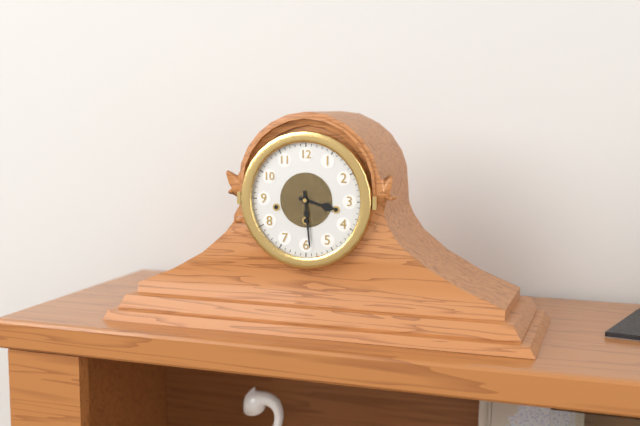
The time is 3:29
